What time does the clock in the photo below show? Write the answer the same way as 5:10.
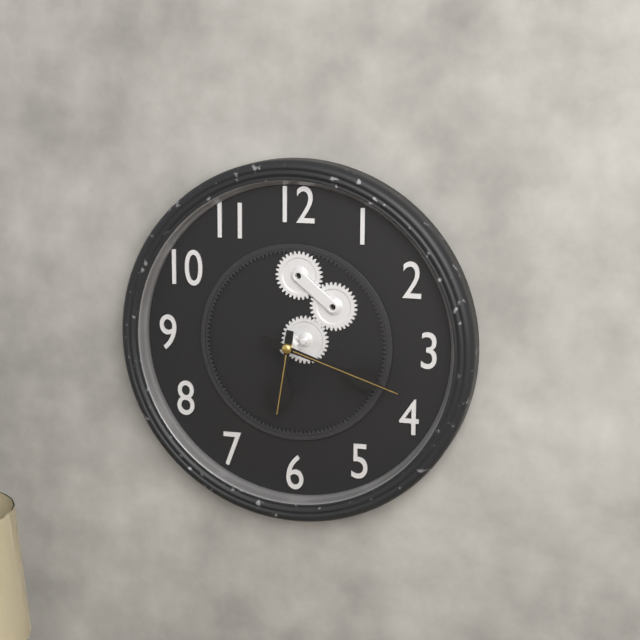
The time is 6:18
